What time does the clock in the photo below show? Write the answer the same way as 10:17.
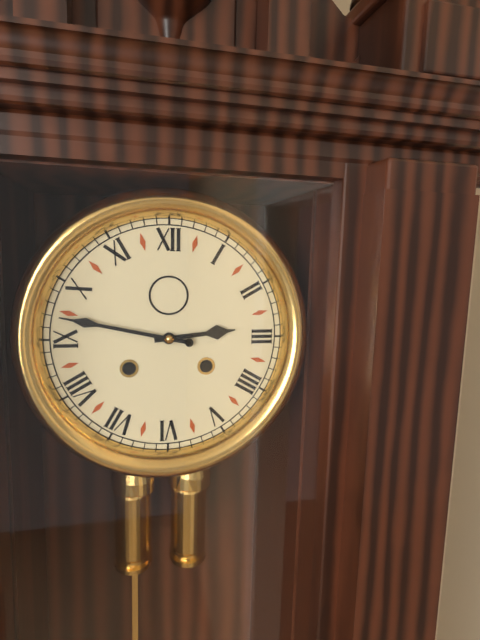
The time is 2:47
